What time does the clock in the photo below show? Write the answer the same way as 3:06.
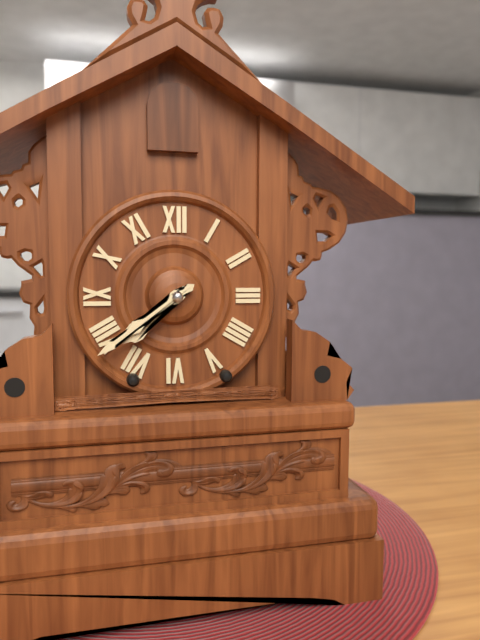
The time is 7:39
